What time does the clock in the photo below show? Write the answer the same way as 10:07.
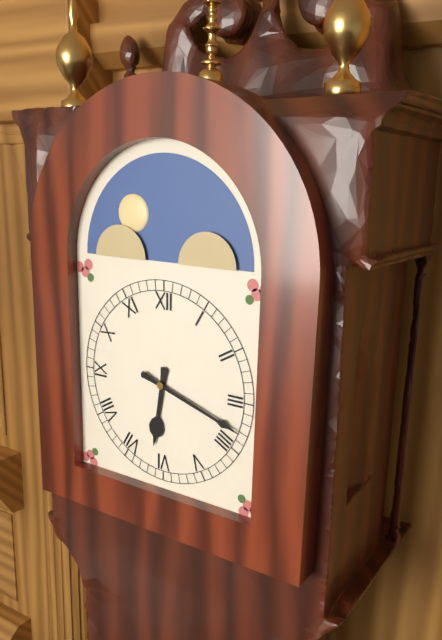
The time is 6:18
